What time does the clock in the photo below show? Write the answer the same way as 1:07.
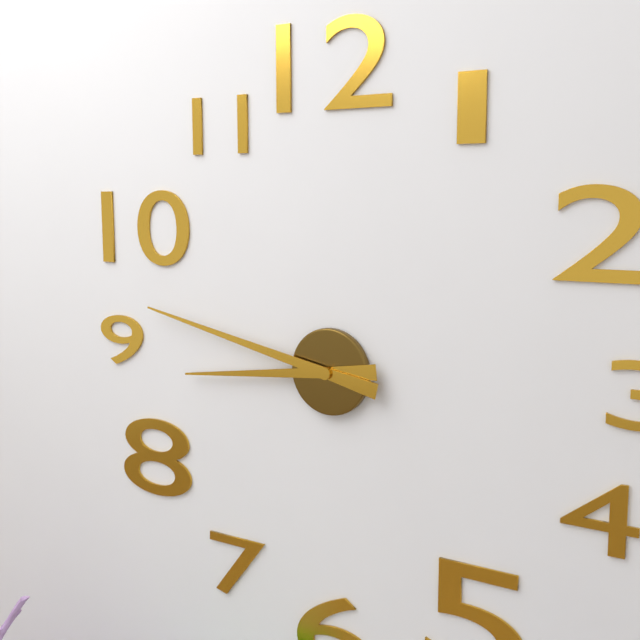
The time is 8:47
